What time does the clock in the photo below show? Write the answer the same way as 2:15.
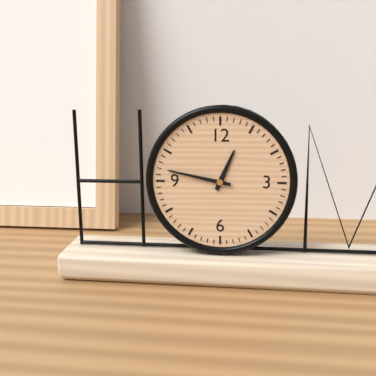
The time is 12:47
